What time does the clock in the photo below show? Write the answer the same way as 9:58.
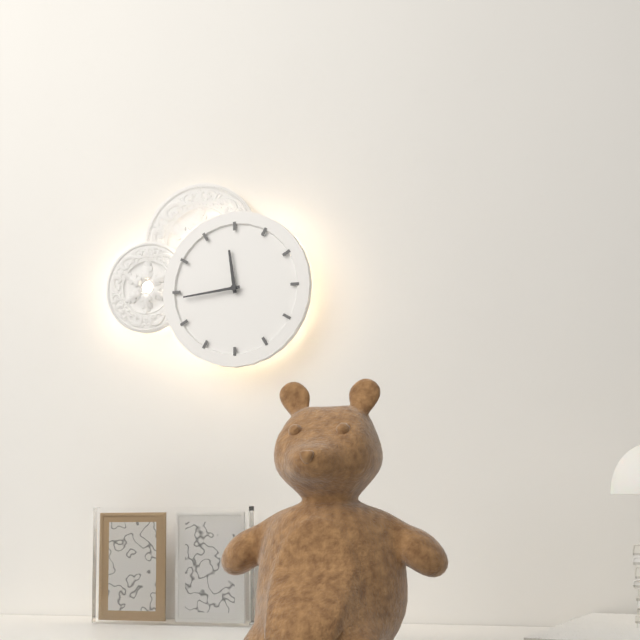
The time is 11:44
